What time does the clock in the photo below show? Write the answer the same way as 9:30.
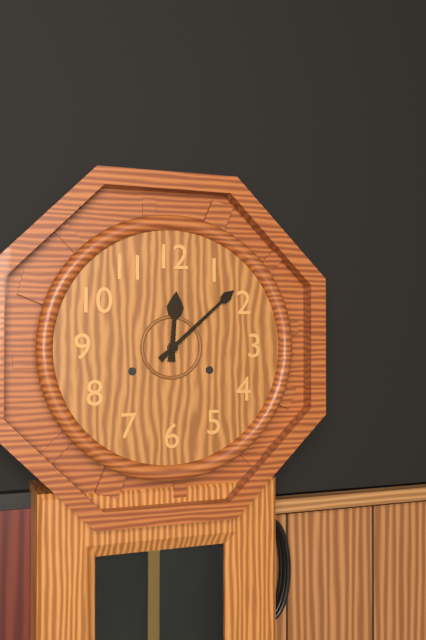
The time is 12:08
